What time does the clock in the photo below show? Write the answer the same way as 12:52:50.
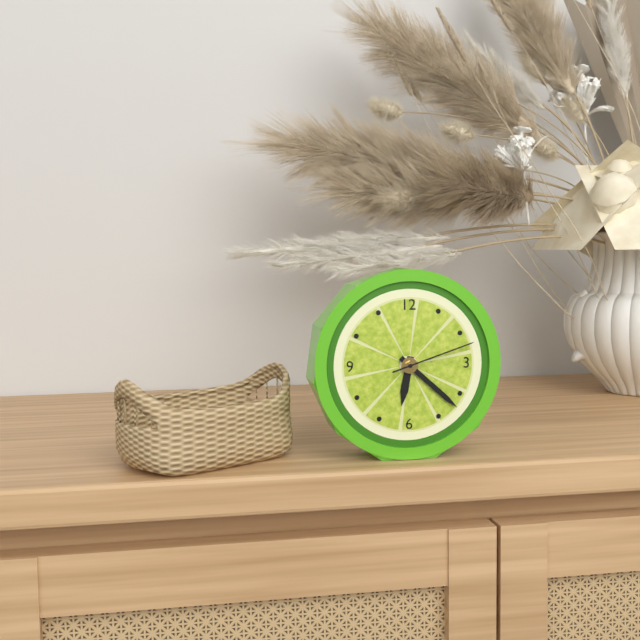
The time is 6:22:12
